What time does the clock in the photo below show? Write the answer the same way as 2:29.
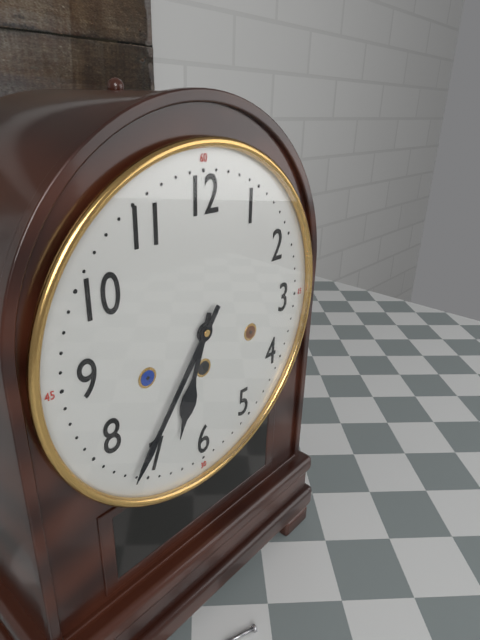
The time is 6:36
